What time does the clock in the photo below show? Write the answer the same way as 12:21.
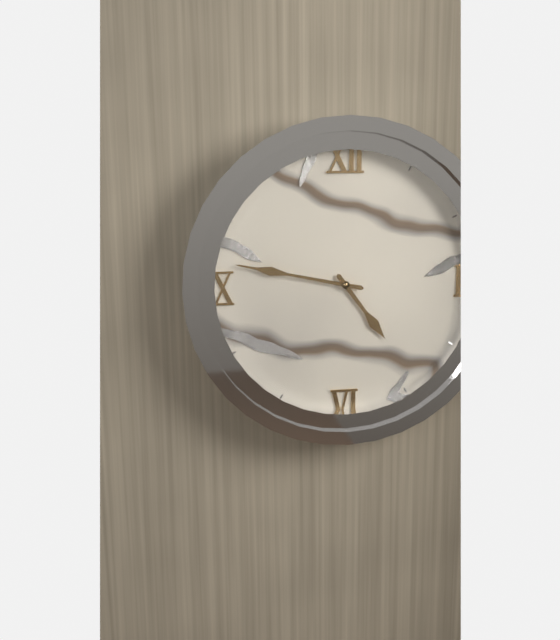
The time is 4:47
